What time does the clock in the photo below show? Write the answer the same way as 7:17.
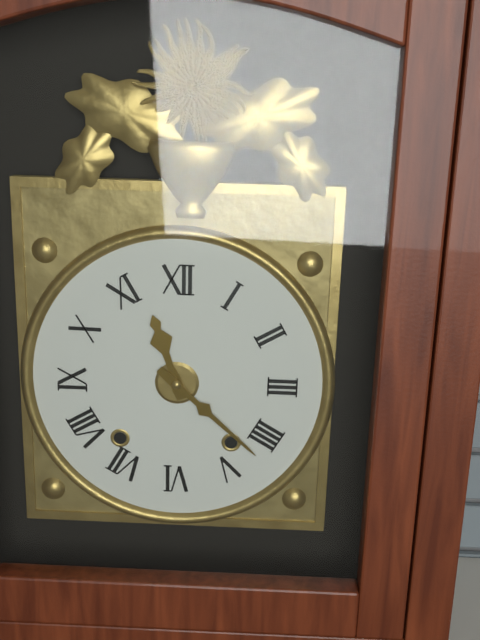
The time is 11:22
